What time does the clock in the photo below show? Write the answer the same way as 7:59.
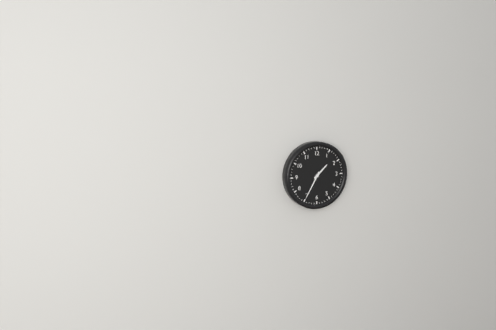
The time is 1:35
